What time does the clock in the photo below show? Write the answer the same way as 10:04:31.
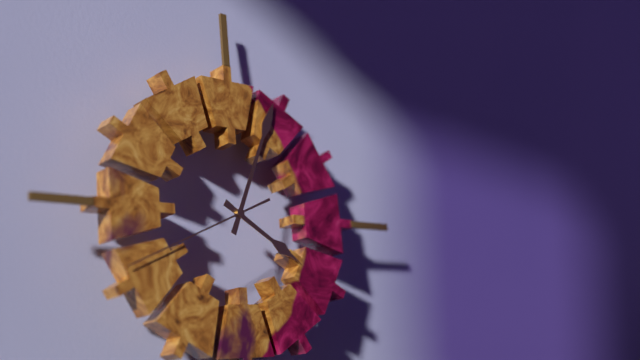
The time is 4:04:41
